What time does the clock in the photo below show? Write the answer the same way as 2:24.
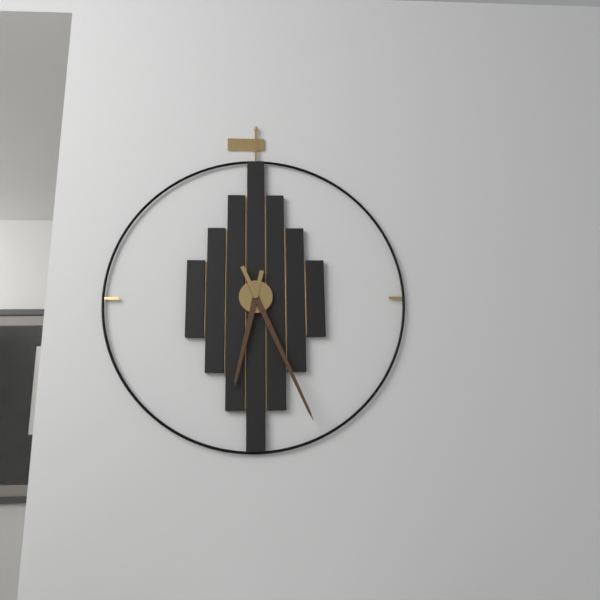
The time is 6:26
